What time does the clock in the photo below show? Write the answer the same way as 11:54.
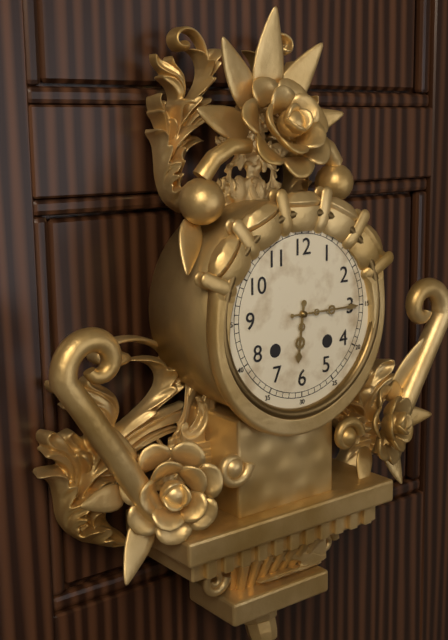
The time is 6:15
